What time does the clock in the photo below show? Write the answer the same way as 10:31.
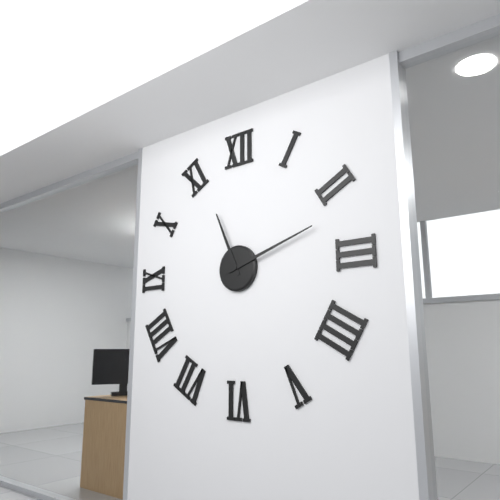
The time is 11:12
